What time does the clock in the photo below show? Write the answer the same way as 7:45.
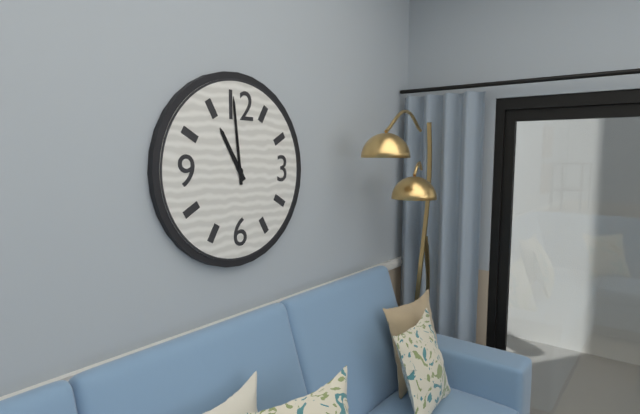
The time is 10:59
